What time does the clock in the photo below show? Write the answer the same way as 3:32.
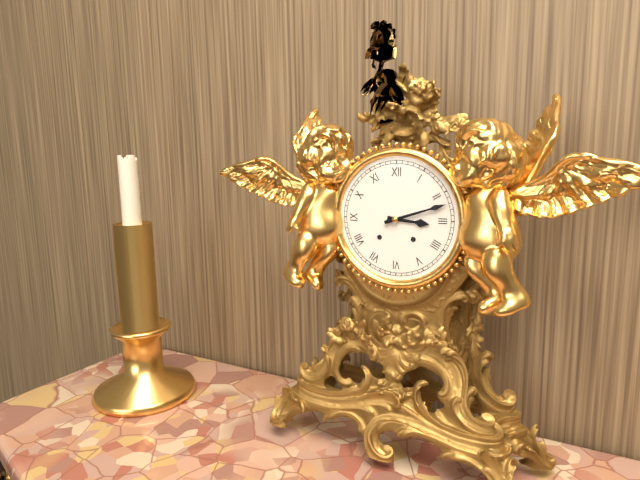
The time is 3:12
